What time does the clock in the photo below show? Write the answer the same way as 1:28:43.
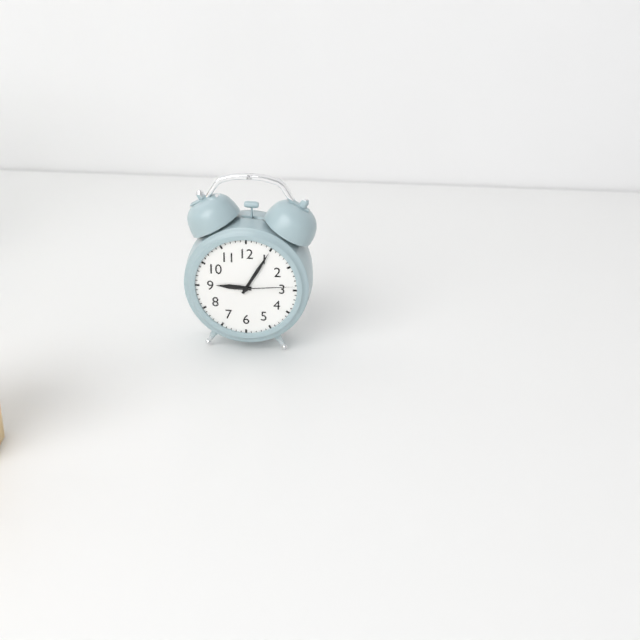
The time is 9:05:14
